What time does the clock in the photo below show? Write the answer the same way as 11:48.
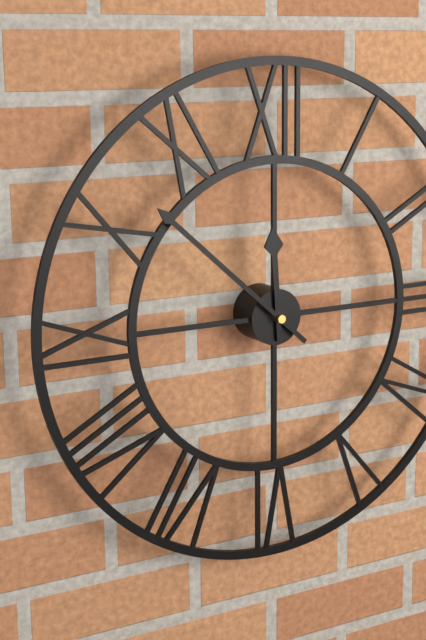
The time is 11:52
